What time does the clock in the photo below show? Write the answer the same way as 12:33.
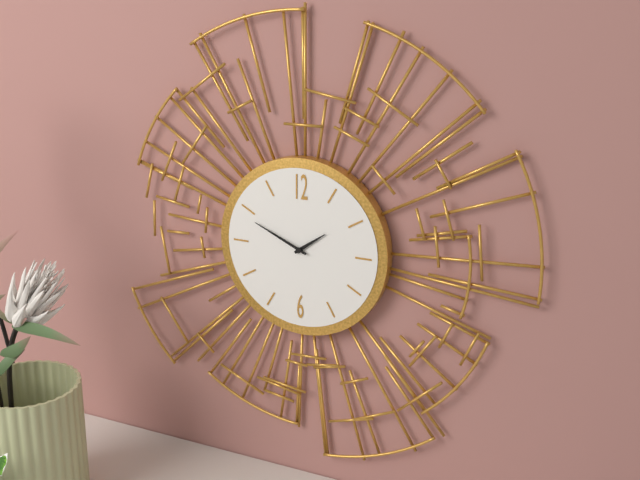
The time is 1:49
